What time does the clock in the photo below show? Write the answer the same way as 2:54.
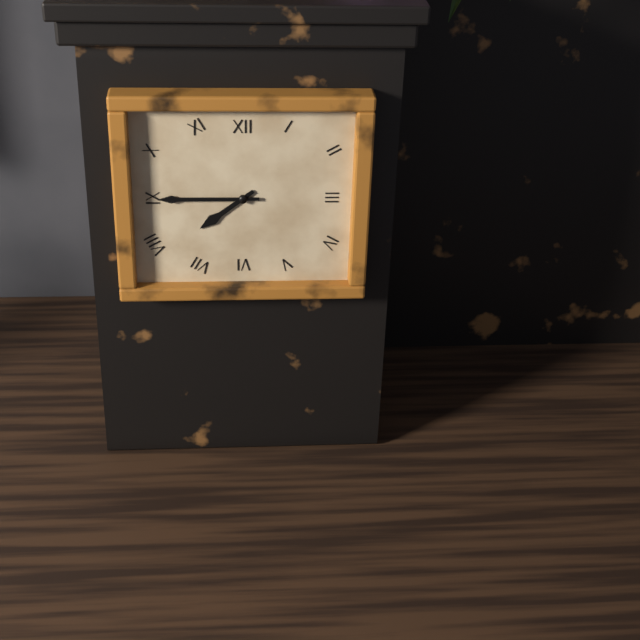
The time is 7:45
